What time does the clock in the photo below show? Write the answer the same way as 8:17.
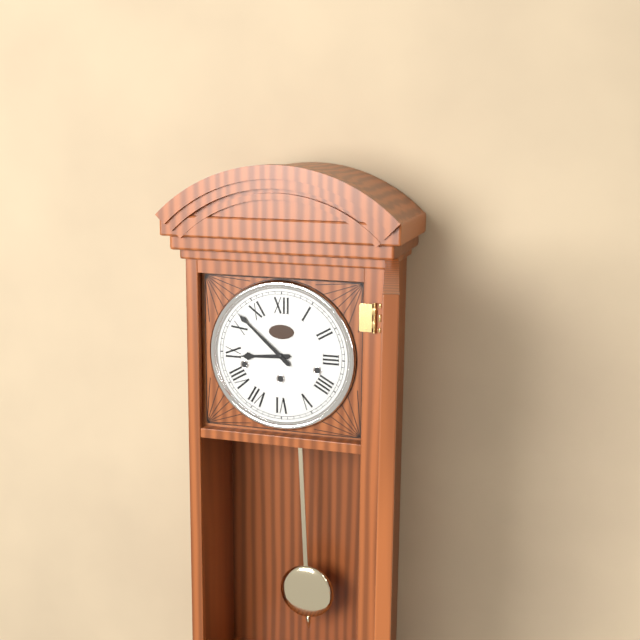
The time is 8:52
